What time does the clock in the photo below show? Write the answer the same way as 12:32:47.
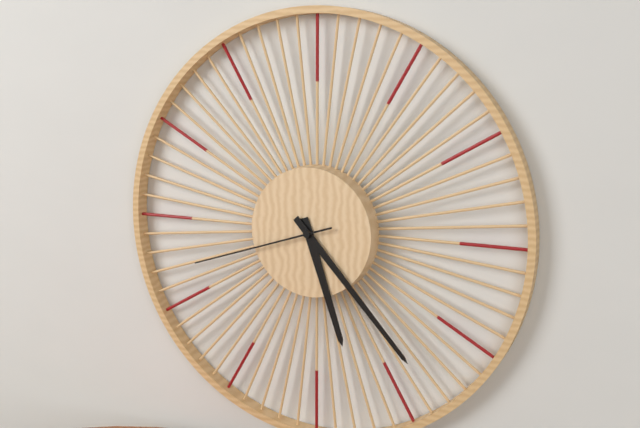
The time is 5:23:42
